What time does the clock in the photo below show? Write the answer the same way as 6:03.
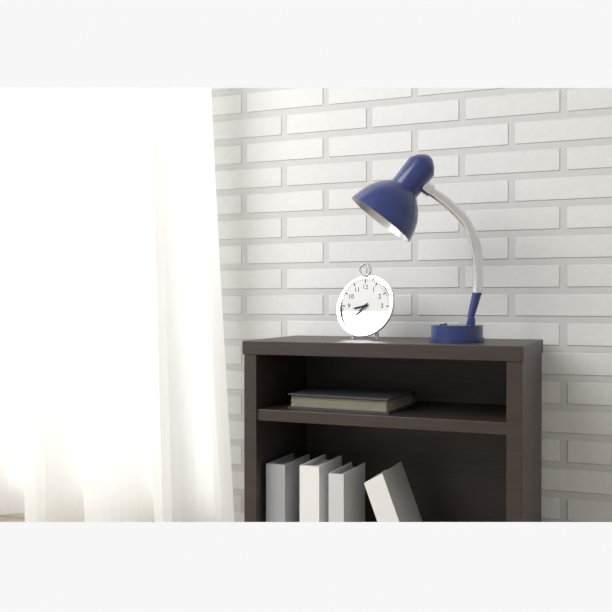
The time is 8:38
